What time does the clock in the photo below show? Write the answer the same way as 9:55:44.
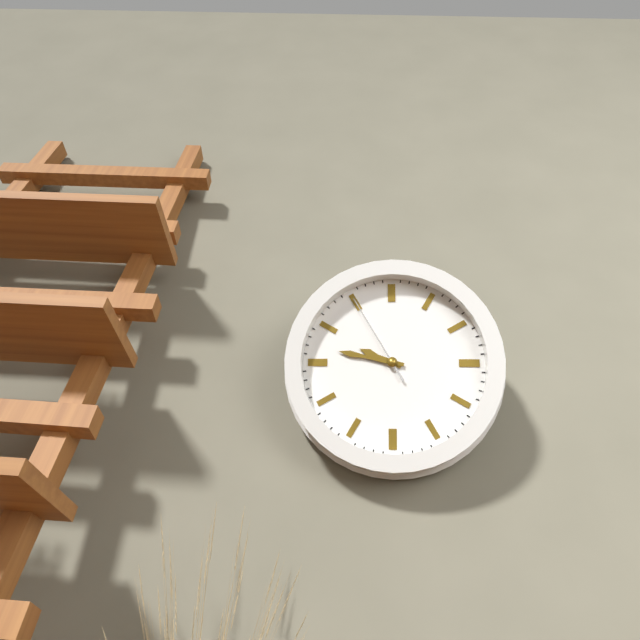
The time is 9:47:55
